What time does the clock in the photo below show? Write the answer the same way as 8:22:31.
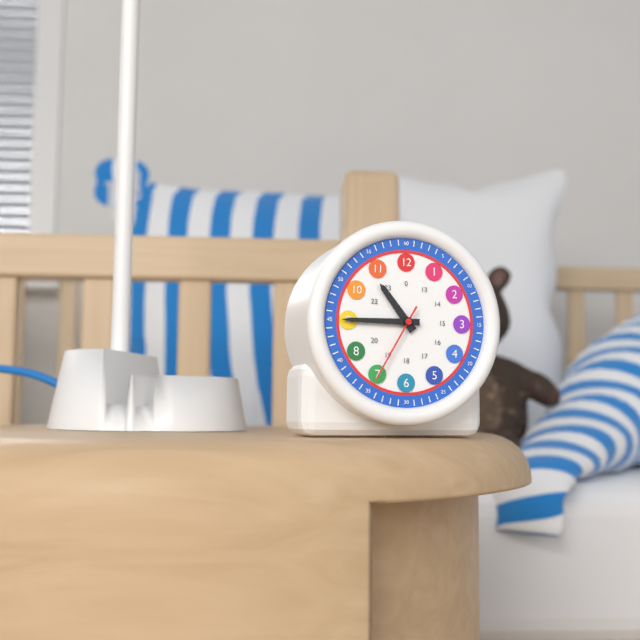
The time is 10:45:35
